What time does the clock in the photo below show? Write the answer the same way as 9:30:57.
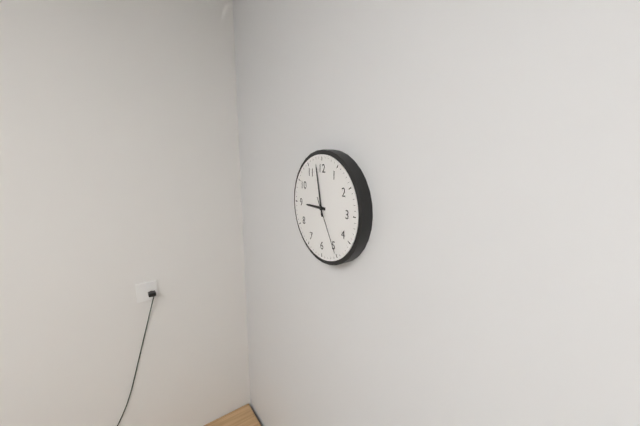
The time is 8:58:25
